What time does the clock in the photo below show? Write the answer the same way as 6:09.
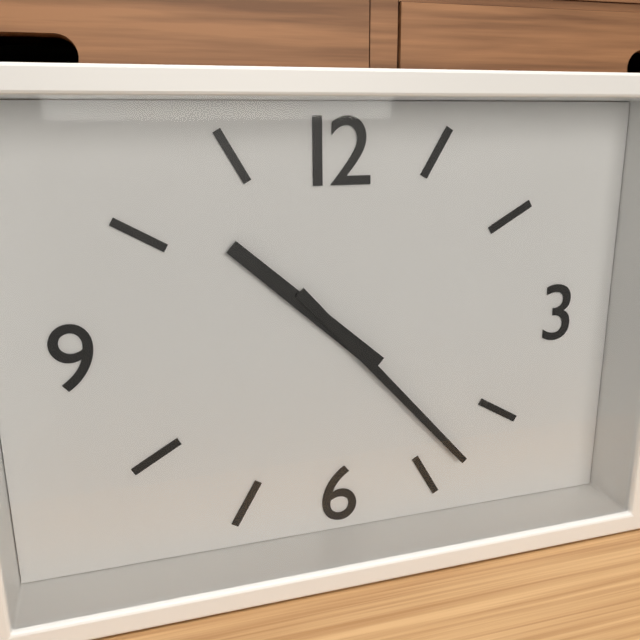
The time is 10:23
